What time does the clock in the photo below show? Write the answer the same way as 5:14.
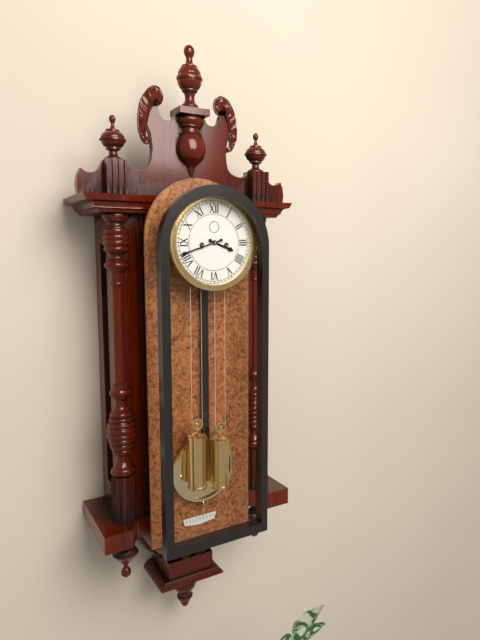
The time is 3:42
